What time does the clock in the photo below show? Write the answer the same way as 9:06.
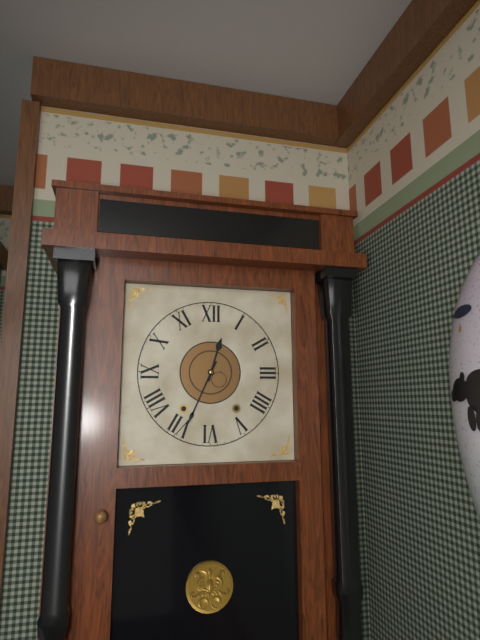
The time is 12:34
